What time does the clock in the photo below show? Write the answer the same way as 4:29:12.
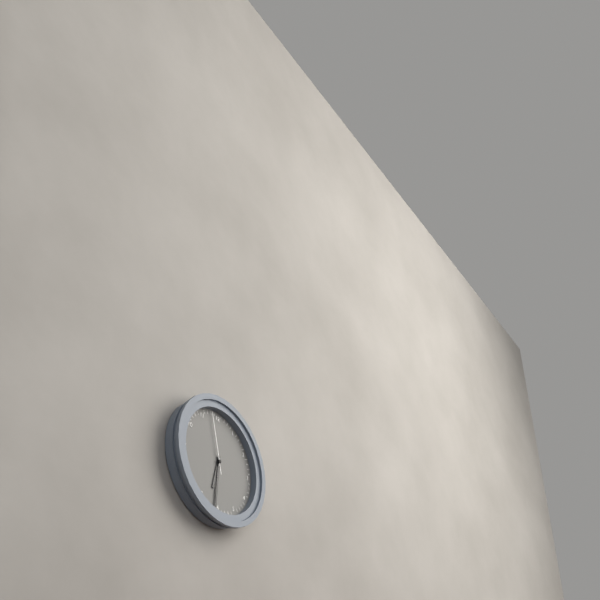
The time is 6:31:58
